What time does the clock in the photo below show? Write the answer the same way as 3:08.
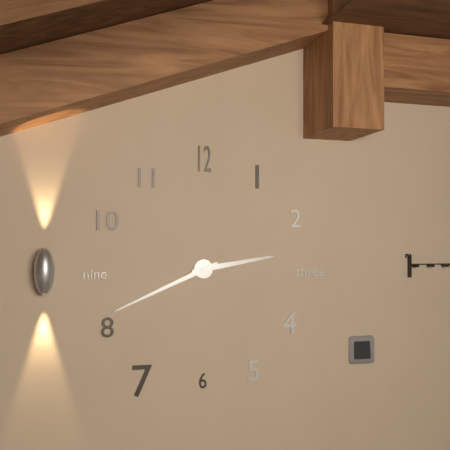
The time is 2:41
